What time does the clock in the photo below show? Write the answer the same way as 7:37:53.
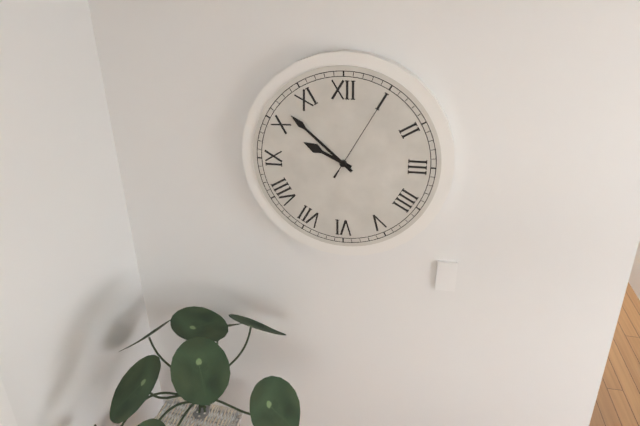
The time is 9:52:05
